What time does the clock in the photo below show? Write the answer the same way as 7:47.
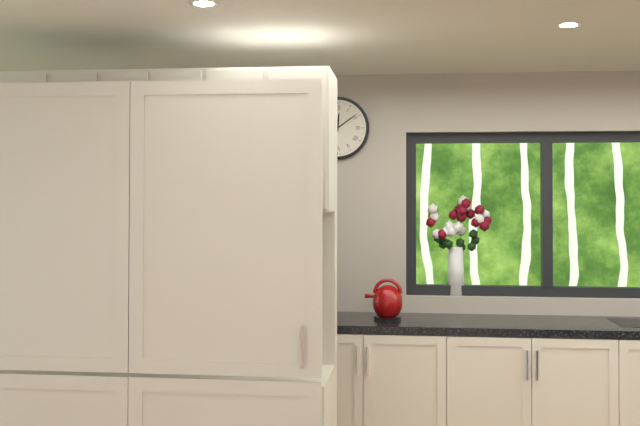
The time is 12:09
